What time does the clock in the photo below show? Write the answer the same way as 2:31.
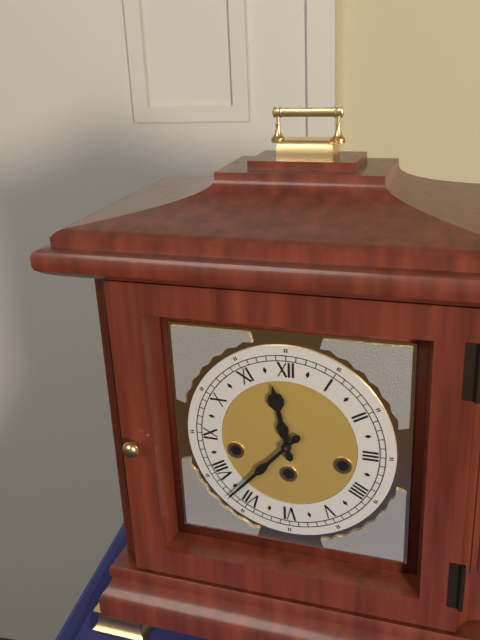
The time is 11:37
